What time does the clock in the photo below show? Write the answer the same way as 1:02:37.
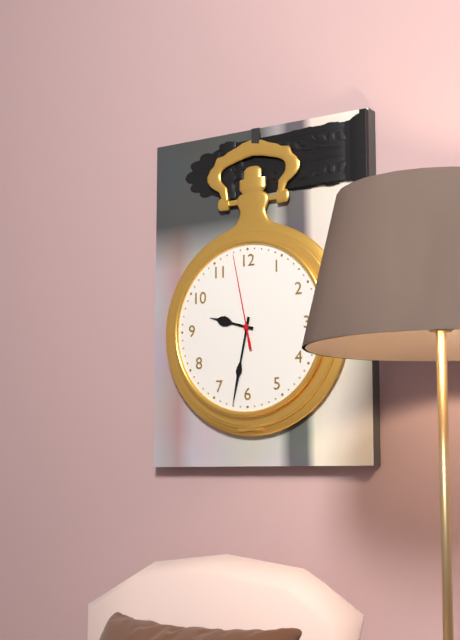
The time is 9:32:58
